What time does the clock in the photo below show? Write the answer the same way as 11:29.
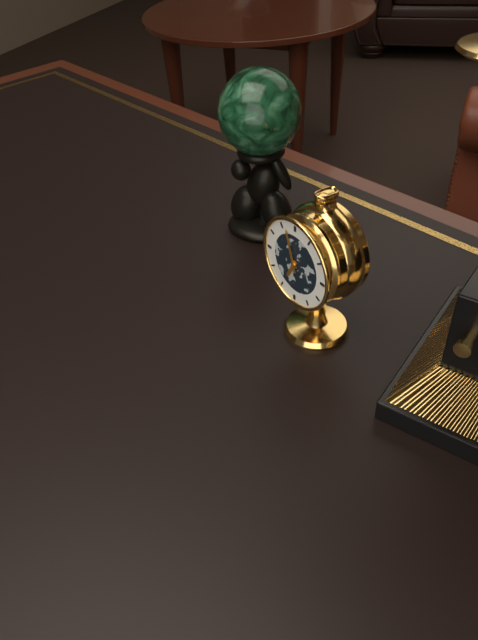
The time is 6:57
